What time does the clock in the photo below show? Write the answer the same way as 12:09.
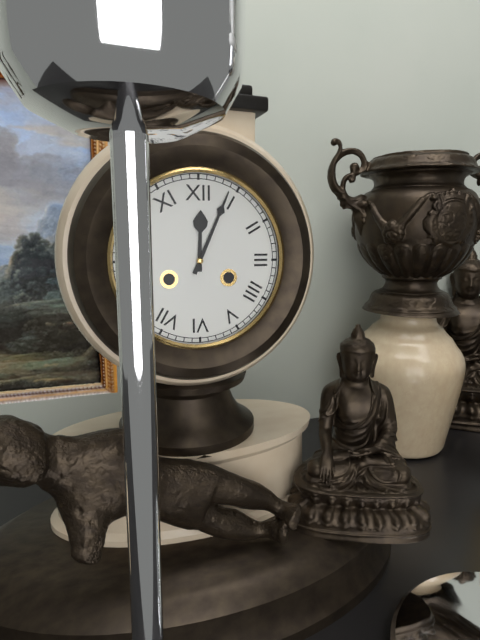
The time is 12:04
